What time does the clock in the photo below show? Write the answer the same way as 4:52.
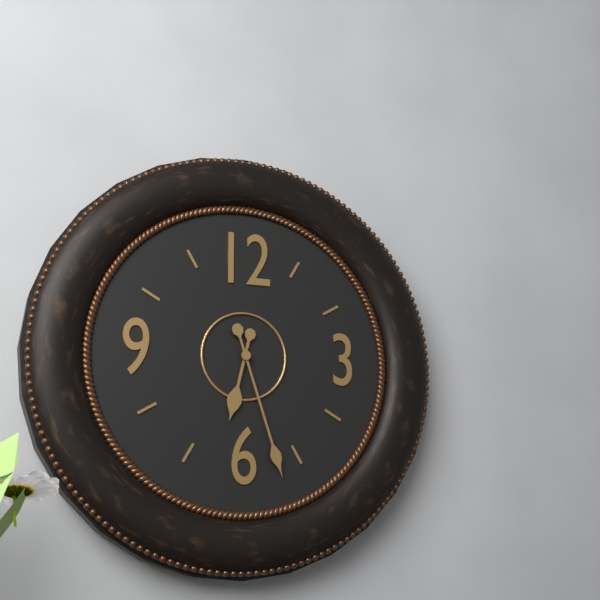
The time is 6:27
